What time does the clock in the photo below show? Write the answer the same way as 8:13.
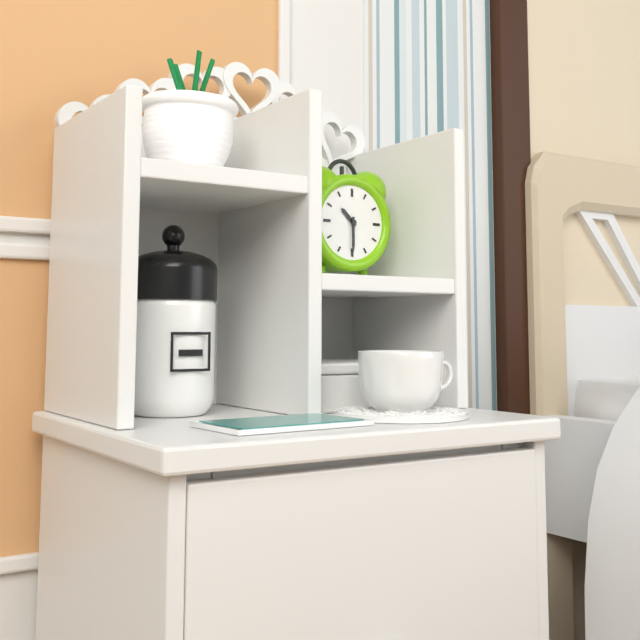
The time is 10:30
